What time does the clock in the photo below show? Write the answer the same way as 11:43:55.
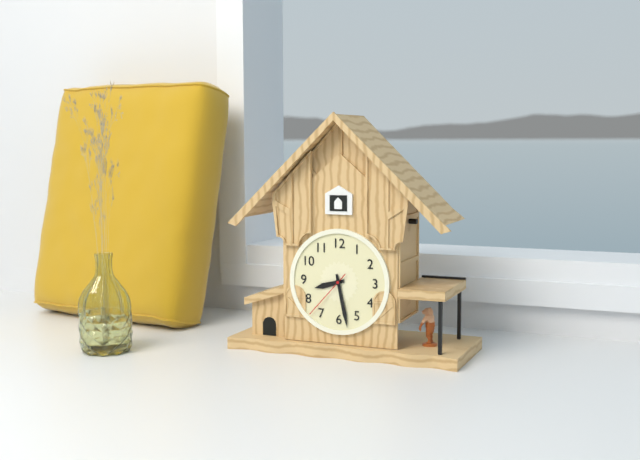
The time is 8:28:37
